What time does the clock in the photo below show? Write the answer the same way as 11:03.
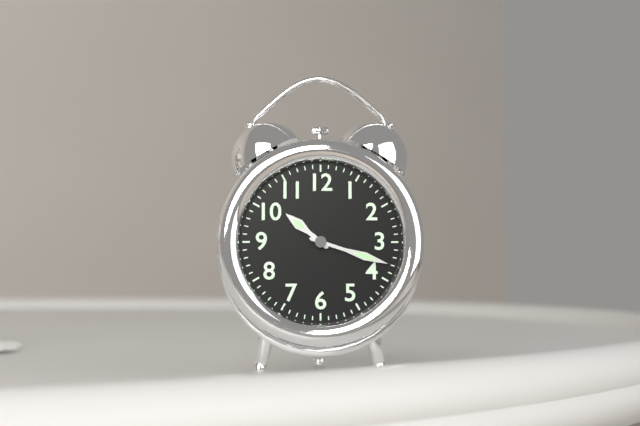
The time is 10:18
